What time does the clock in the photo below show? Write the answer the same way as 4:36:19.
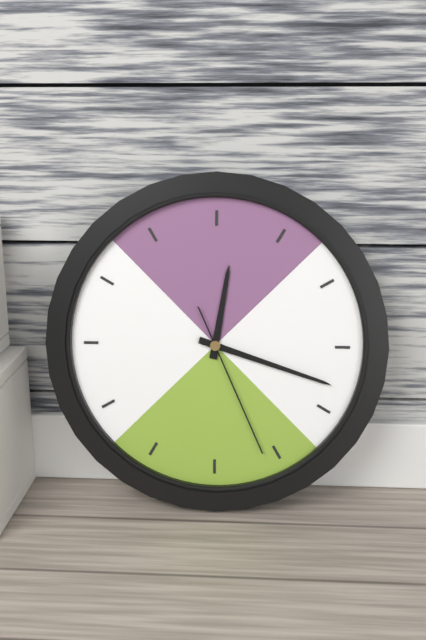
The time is 12:18:26
